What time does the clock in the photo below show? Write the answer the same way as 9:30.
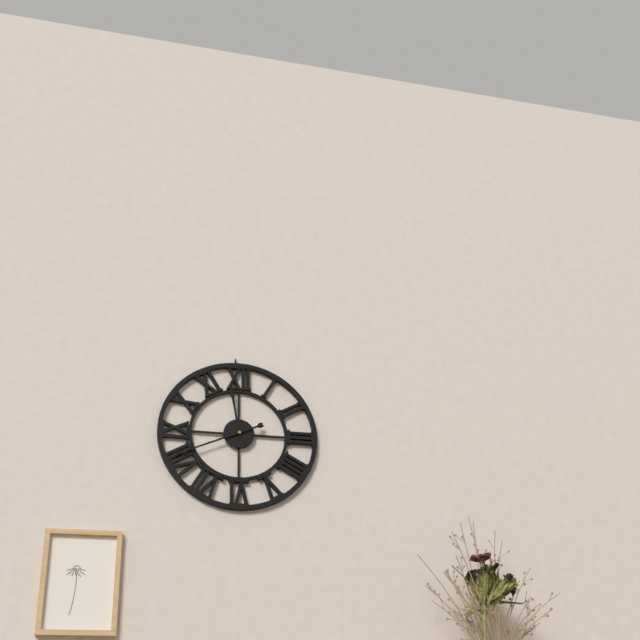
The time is 11:41
